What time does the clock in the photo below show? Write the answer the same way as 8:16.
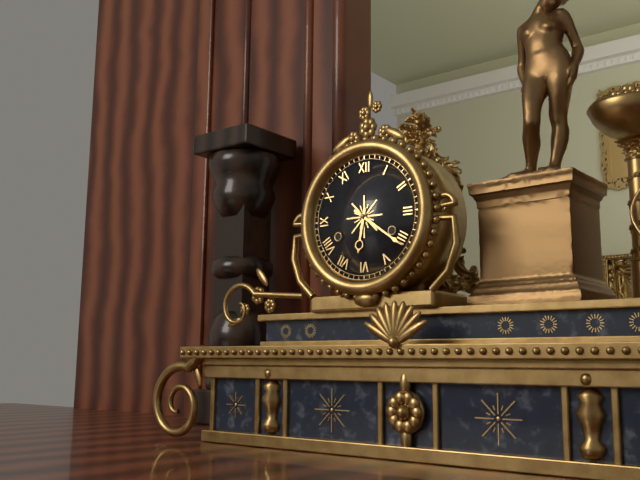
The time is 6:21
